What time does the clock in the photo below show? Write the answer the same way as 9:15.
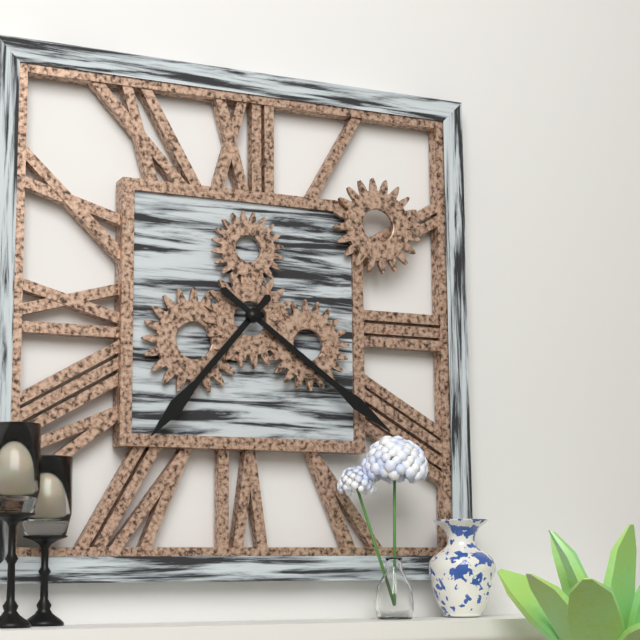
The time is 7:21
